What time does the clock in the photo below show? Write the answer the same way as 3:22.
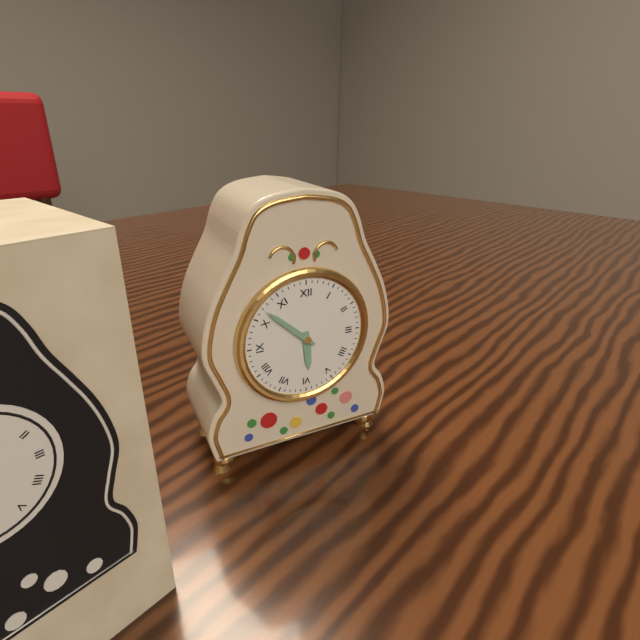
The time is 5:52
